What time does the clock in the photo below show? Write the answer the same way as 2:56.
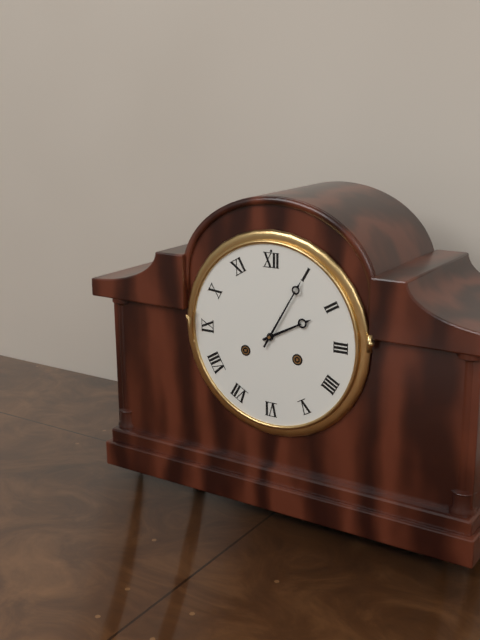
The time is 2:05
